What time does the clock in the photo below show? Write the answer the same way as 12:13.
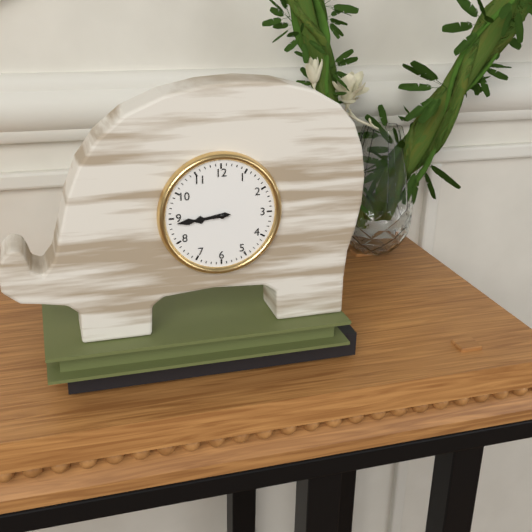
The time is 8:44
